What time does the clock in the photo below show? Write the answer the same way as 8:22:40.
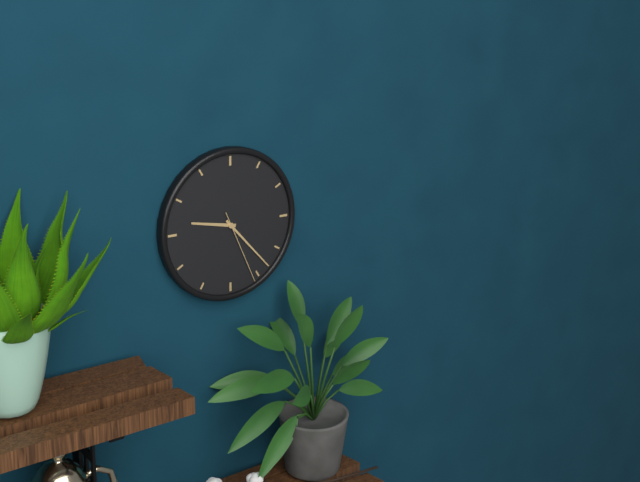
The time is 9:23:26
